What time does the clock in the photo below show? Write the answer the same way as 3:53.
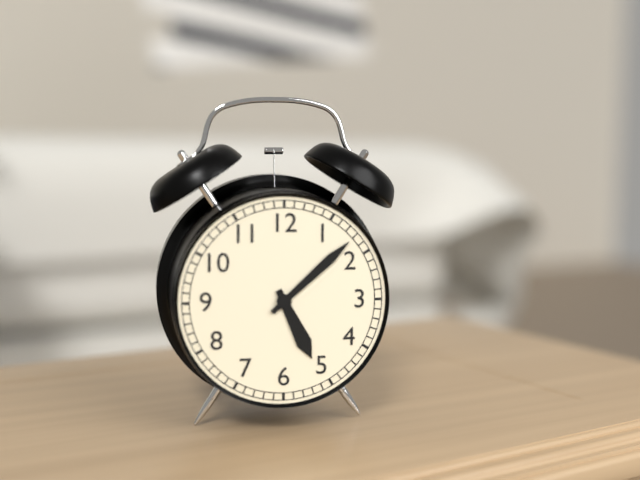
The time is 5:08
